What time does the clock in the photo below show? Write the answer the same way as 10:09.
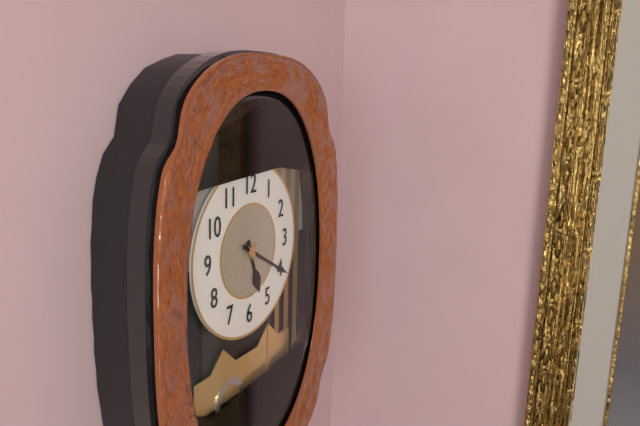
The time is 5:20
